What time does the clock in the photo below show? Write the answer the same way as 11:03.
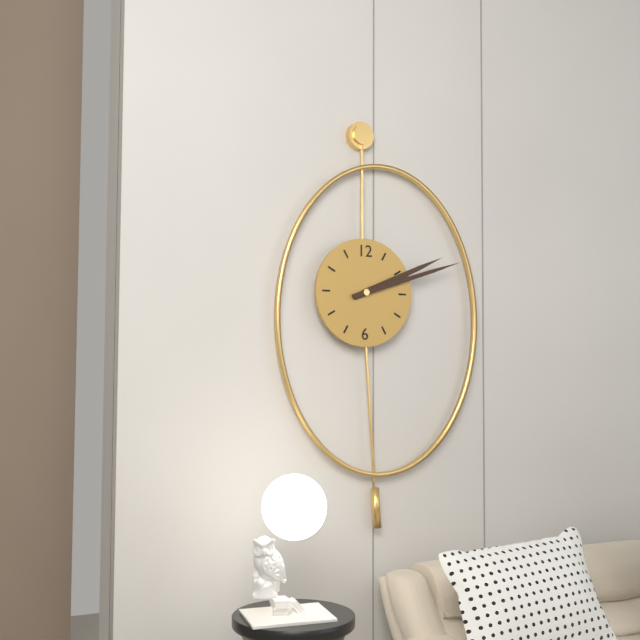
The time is 2:12
